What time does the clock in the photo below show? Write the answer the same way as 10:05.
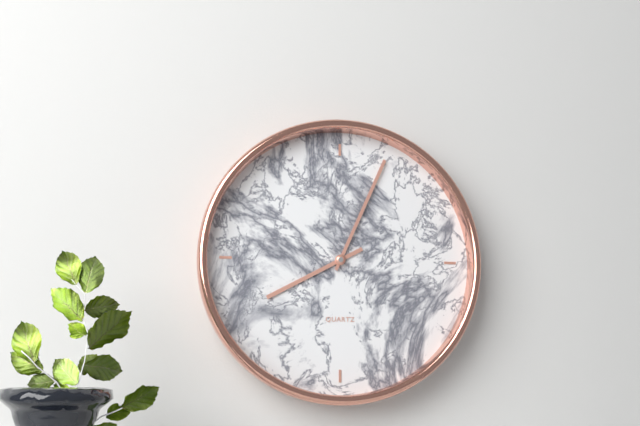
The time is 8:04
